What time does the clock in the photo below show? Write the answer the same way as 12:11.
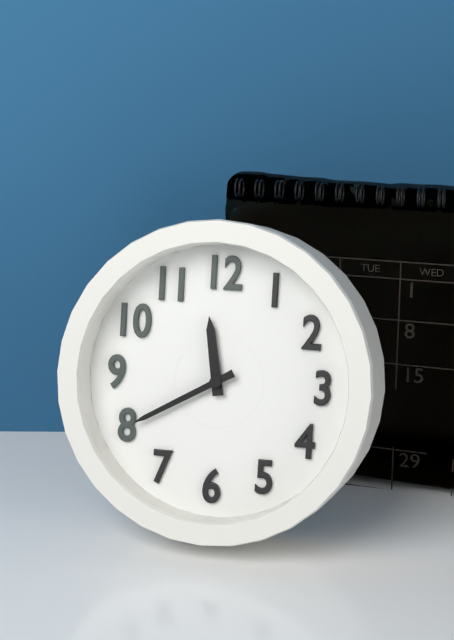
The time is 11:40
